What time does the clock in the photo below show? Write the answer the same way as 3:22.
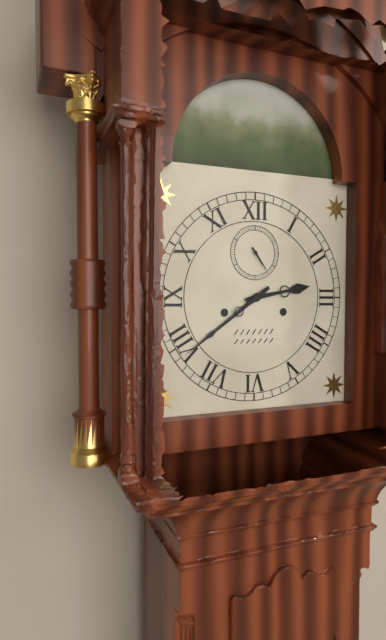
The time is 2:39
